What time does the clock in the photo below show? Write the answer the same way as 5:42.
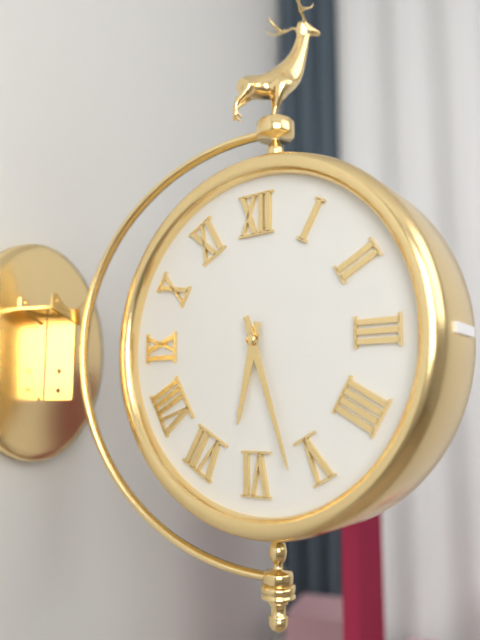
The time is 6:27
